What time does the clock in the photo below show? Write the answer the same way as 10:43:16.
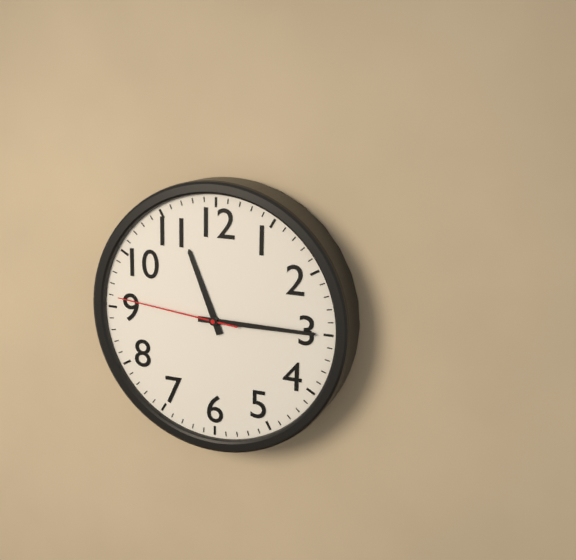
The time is 11:15:46
